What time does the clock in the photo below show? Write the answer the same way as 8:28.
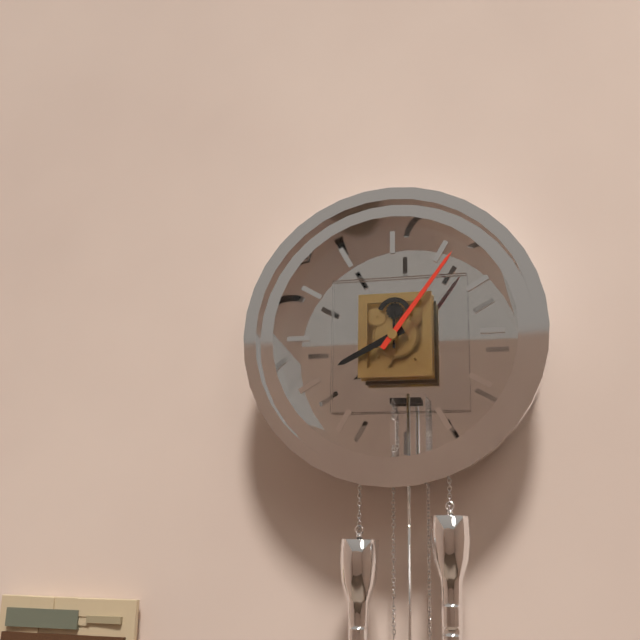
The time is 8:06
